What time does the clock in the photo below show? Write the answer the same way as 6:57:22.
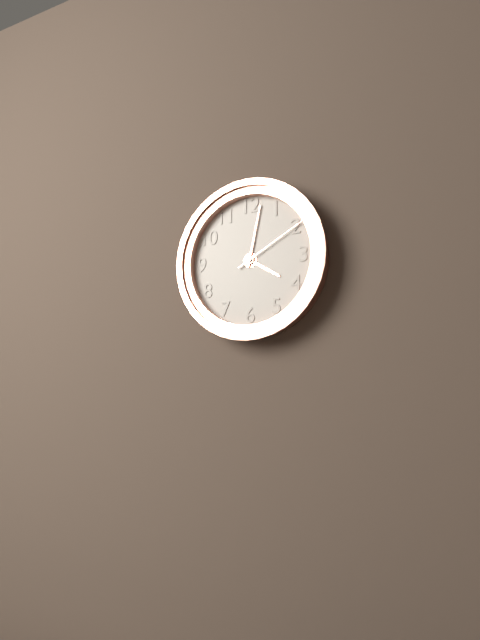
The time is 4:02:10
